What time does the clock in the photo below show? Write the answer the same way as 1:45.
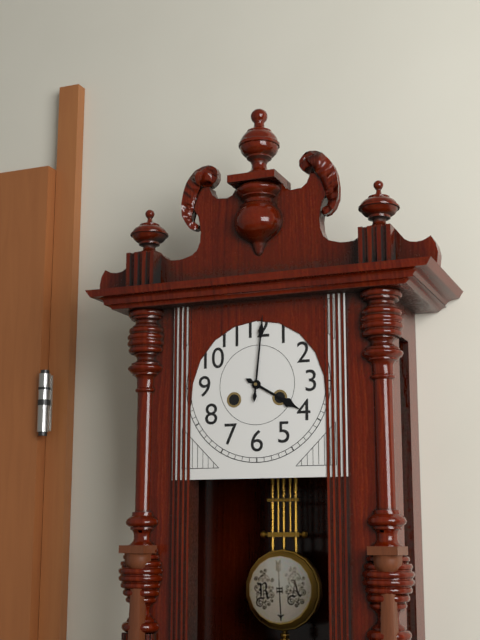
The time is 4:01
